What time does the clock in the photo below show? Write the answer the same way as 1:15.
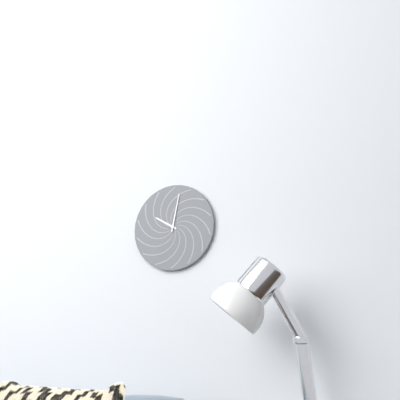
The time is 10:02
